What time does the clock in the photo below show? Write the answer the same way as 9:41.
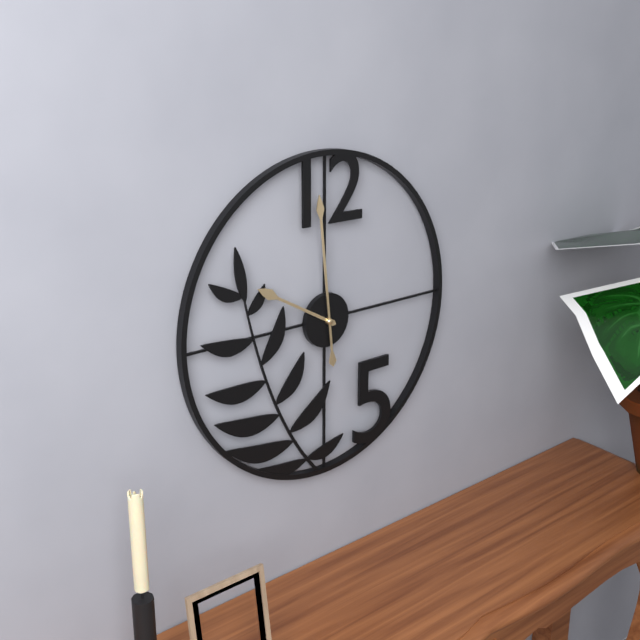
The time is 9:59
